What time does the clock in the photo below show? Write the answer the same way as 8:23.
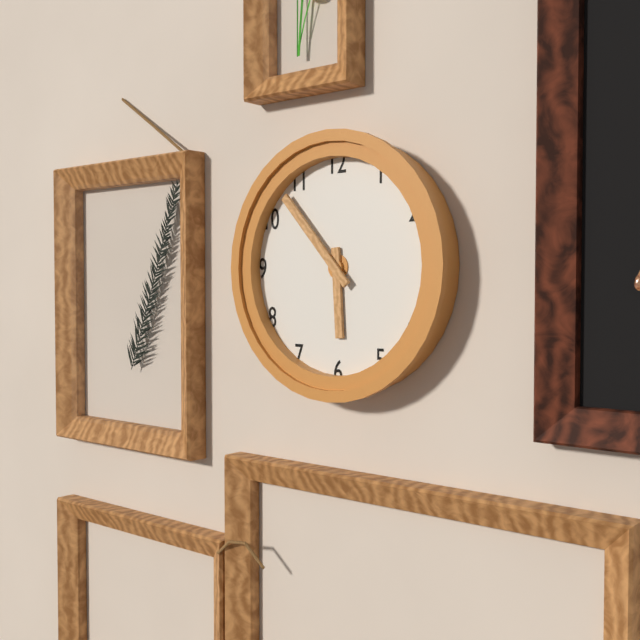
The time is 5:53
